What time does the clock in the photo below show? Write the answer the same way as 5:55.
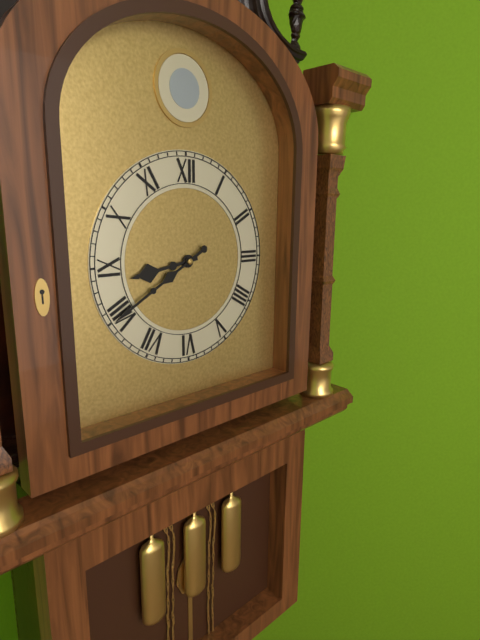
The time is 8:40
